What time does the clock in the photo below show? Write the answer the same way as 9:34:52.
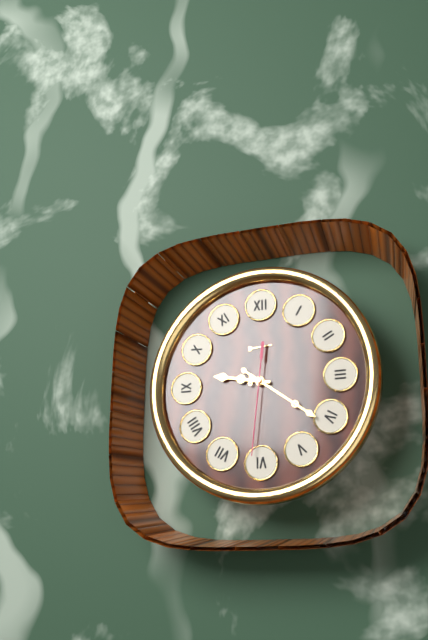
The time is 9:21:31
